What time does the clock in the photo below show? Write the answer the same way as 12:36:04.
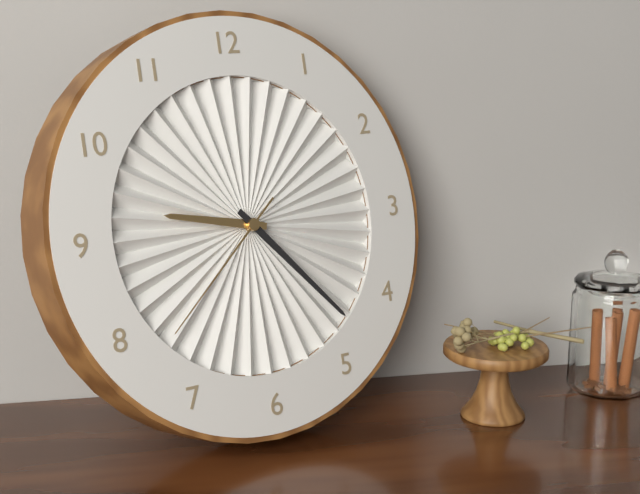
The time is 9:23:38
